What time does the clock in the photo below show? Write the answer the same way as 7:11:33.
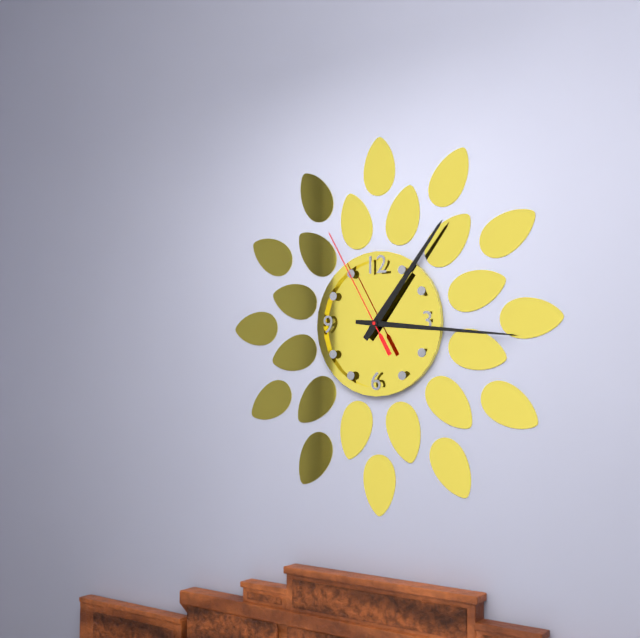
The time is 1:16:55
